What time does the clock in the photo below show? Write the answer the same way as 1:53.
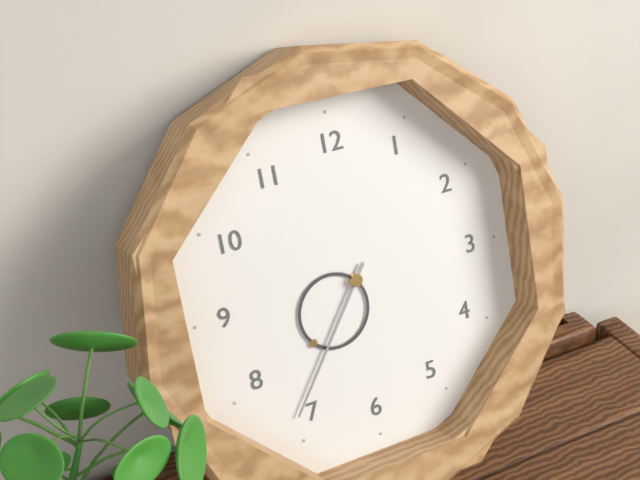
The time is 7:36
